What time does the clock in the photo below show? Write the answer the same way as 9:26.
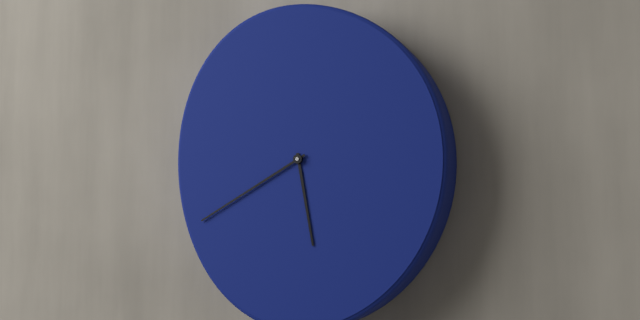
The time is 5:40
